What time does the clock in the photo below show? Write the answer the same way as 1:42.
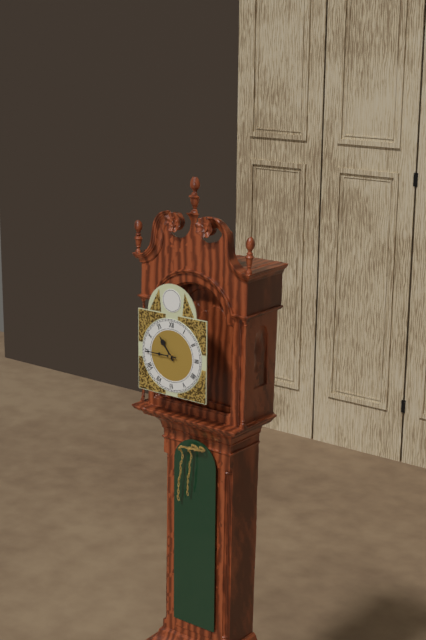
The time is 10:45
